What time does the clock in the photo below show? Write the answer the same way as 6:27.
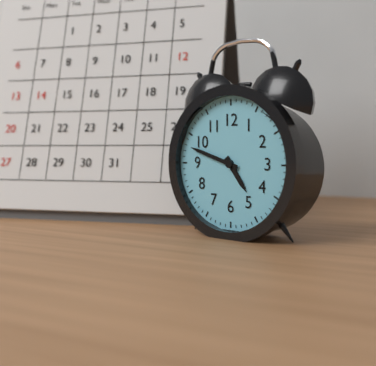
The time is 4:48
